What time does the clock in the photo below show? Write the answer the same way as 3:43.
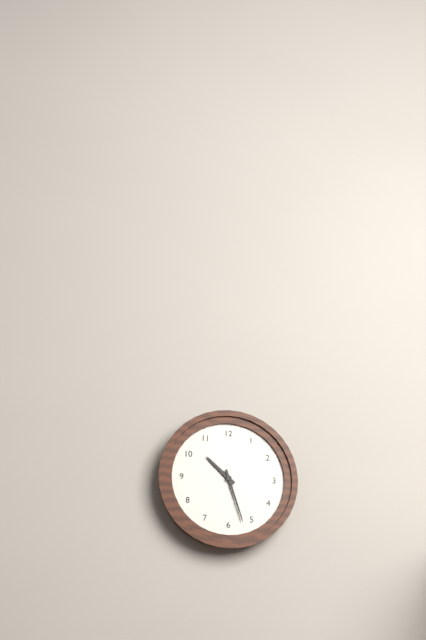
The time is 10:27
